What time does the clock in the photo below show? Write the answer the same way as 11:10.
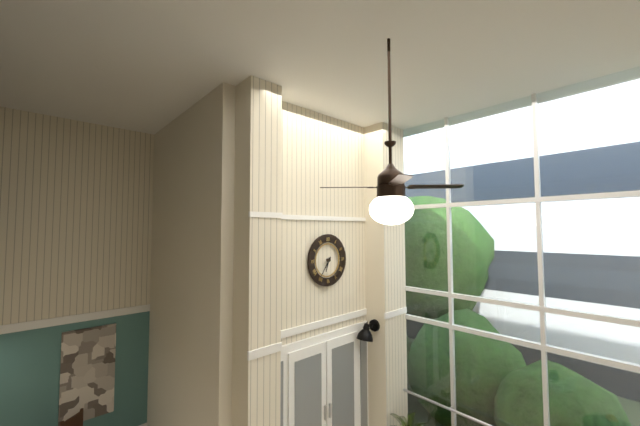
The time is 6:36
